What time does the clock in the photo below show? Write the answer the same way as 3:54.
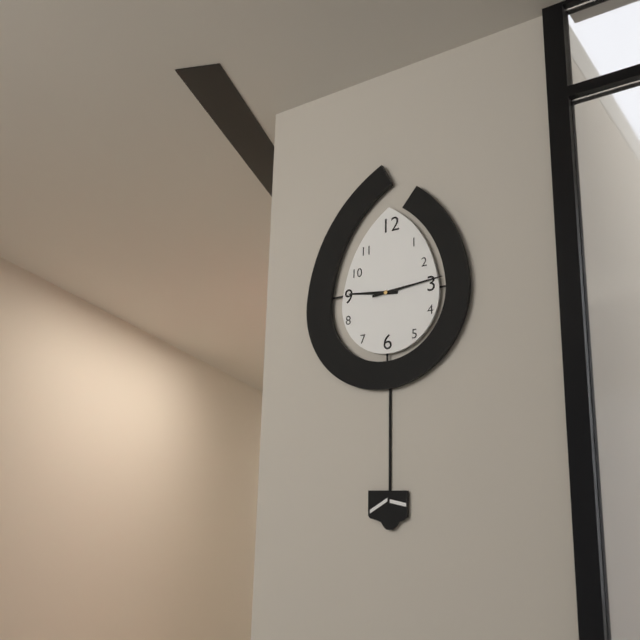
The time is 9:14
